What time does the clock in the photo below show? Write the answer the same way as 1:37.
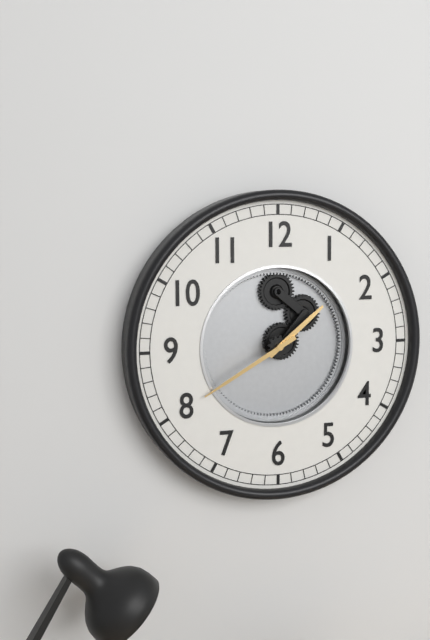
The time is 1:40
